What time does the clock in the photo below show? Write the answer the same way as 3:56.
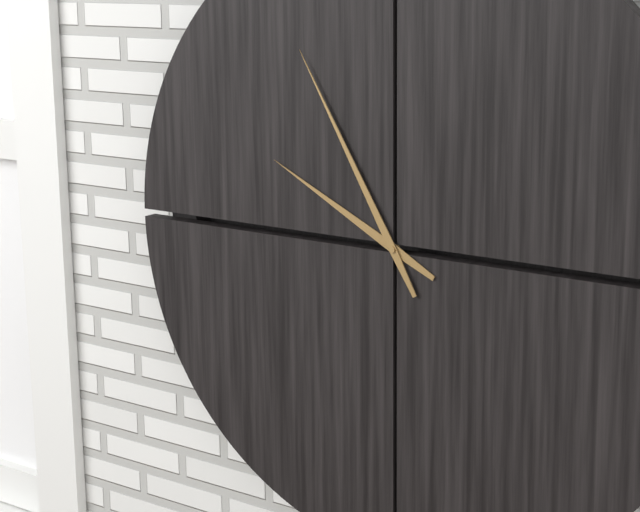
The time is 9:55
